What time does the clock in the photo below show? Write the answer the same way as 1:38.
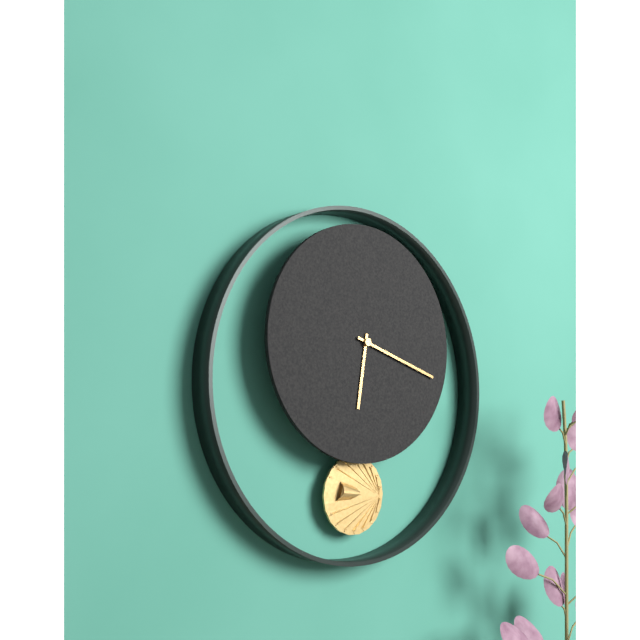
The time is 6:18
